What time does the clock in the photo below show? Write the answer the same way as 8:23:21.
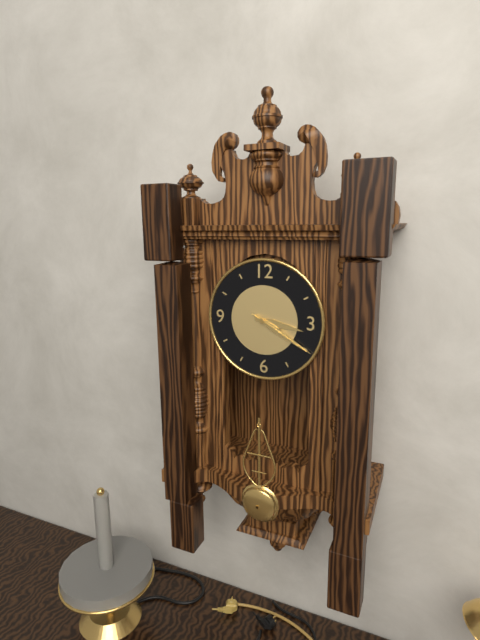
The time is 3:20:20
